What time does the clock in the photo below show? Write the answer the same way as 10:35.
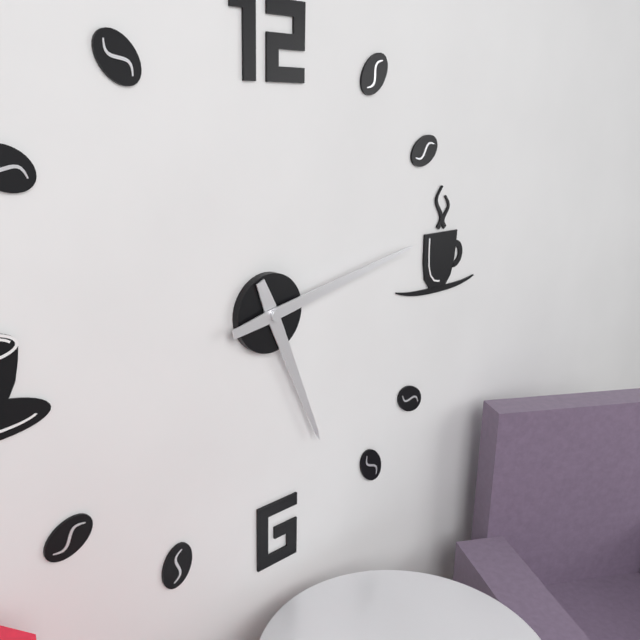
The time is 5:13
